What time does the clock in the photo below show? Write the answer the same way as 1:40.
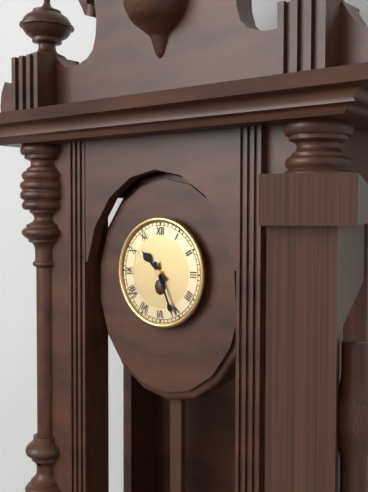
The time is 10:26
